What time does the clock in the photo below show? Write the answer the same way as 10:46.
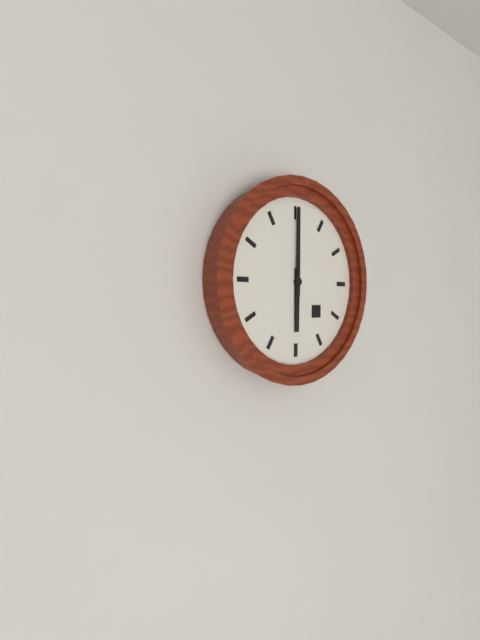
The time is 6:00
